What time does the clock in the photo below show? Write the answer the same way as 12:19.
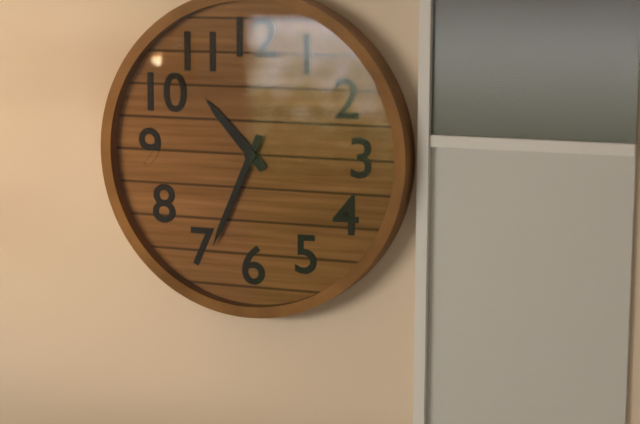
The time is 10:34
